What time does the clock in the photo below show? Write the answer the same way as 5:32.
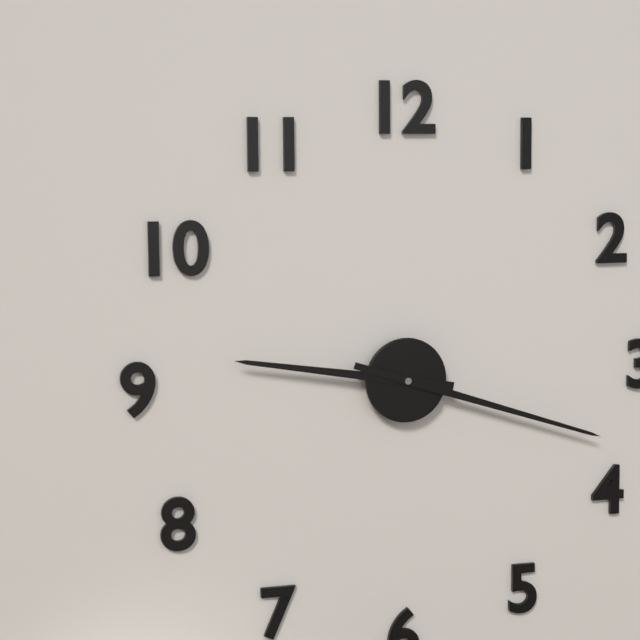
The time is 9:18
